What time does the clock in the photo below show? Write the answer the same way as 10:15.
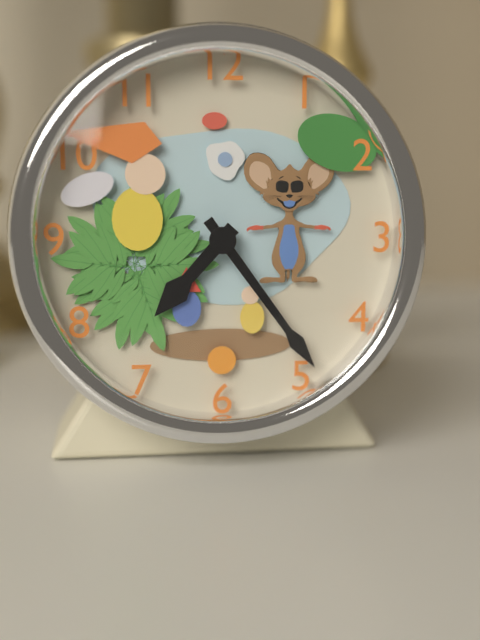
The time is 7:24
